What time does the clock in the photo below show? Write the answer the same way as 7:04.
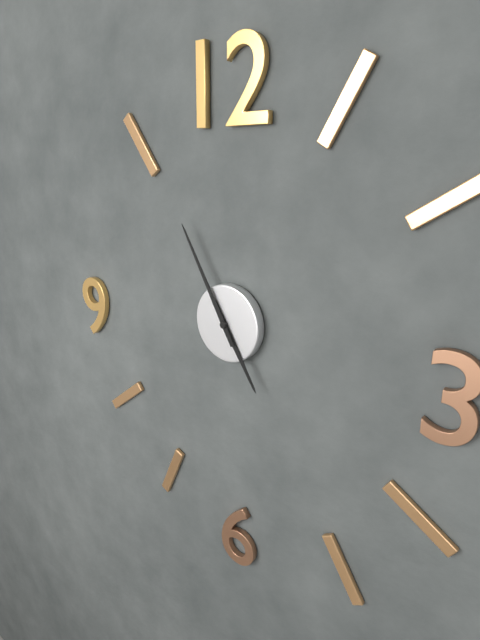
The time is 4:55
